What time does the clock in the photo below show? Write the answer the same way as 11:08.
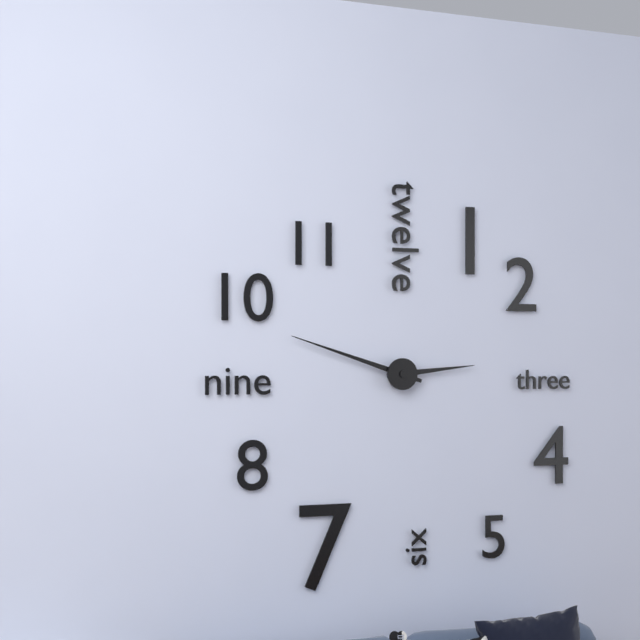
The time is 2:48
